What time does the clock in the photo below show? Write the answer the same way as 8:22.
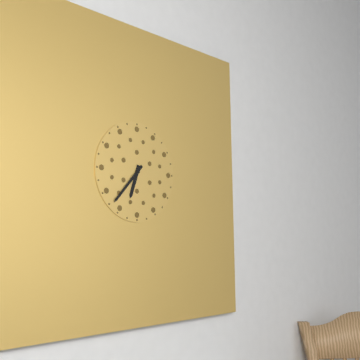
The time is 6:37
